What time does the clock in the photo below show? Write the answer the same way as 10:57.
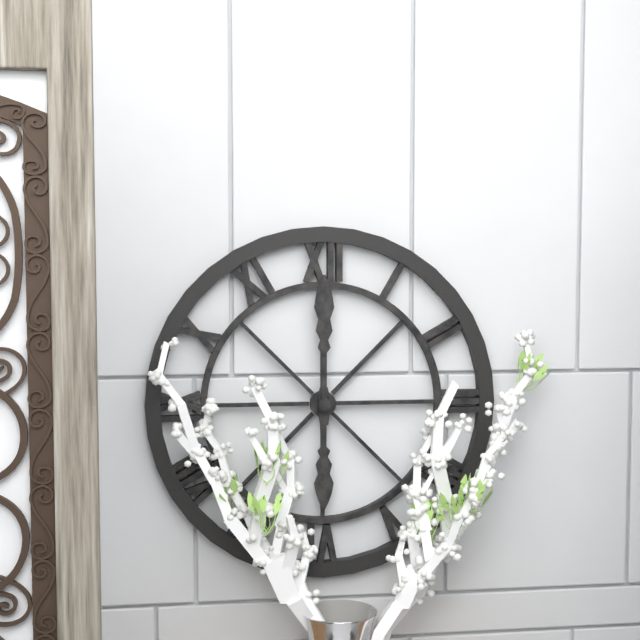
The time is 6:00
